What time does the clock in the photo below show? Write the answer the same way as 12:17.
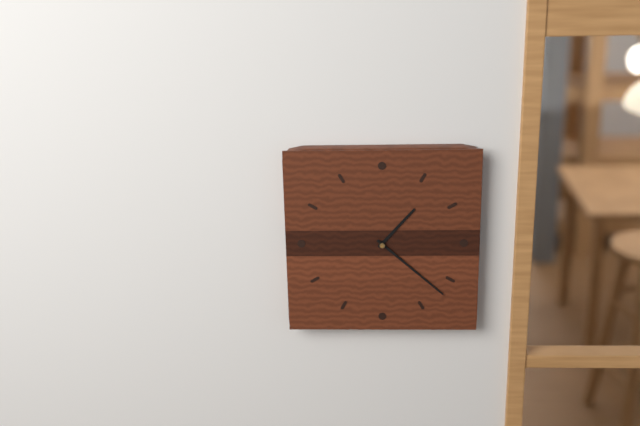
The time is 1:22
